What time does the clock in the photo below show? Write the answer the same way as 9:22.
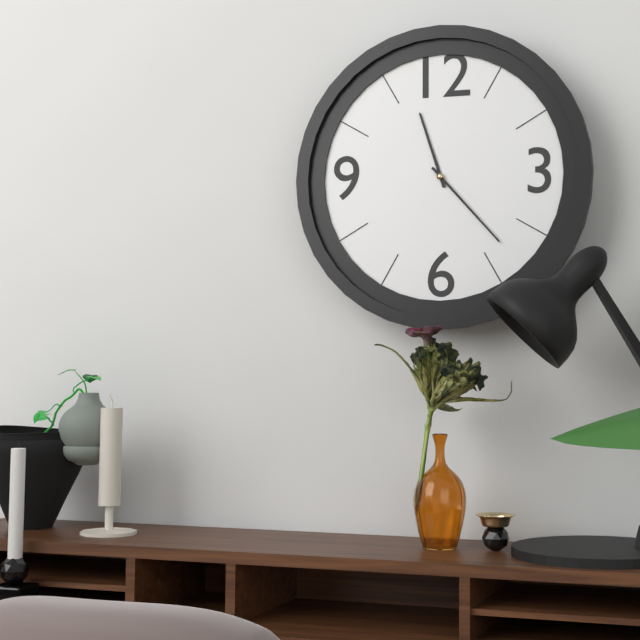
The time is 11:23
